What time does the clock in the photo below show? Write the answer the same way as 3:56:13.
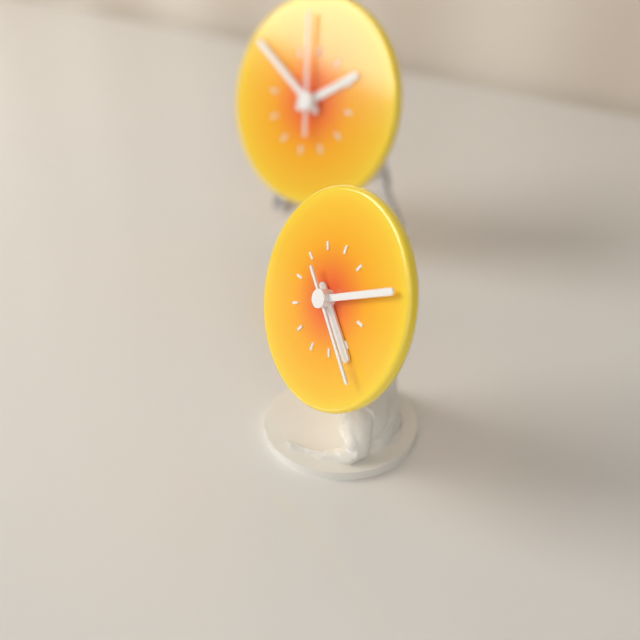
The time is 4:10:21
